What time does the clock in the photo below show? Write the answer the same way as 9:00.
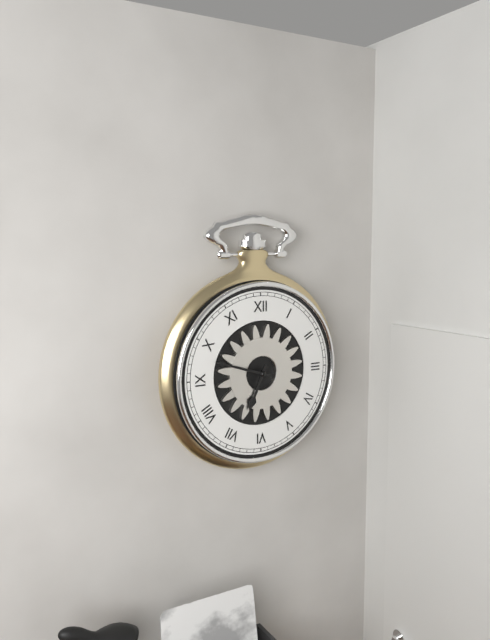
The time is 6:48
